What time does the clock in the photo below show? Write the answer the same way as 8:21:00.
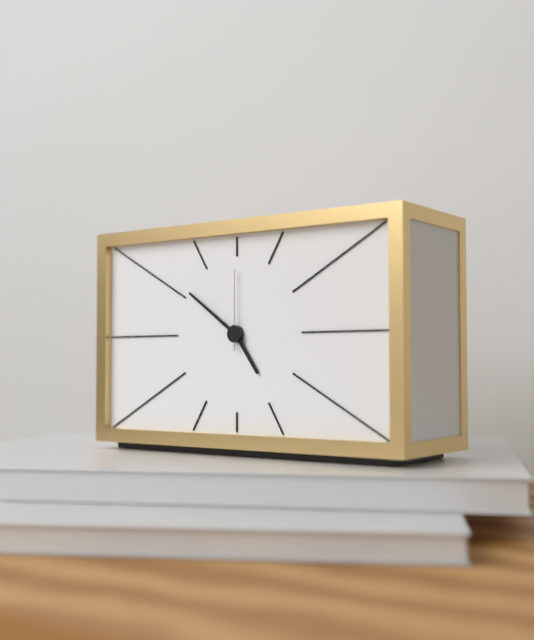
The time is 4:51:00
